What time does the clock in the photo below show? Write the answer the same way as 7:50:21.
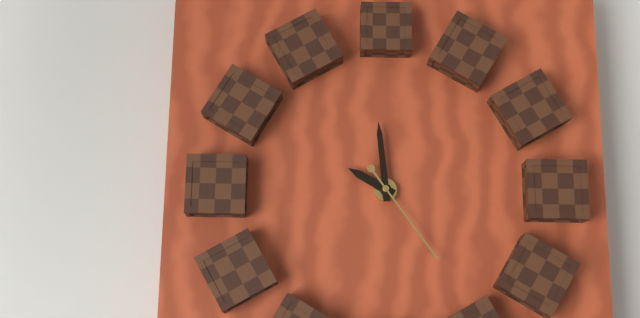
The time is 9:59:24
